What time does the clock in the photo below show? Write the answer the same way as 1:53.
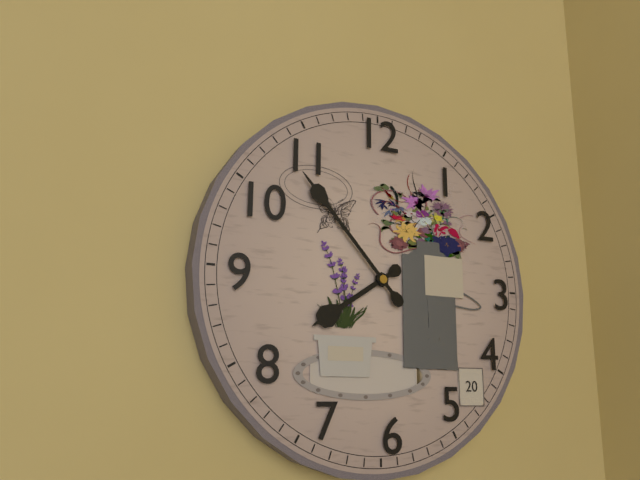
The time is 7:53
